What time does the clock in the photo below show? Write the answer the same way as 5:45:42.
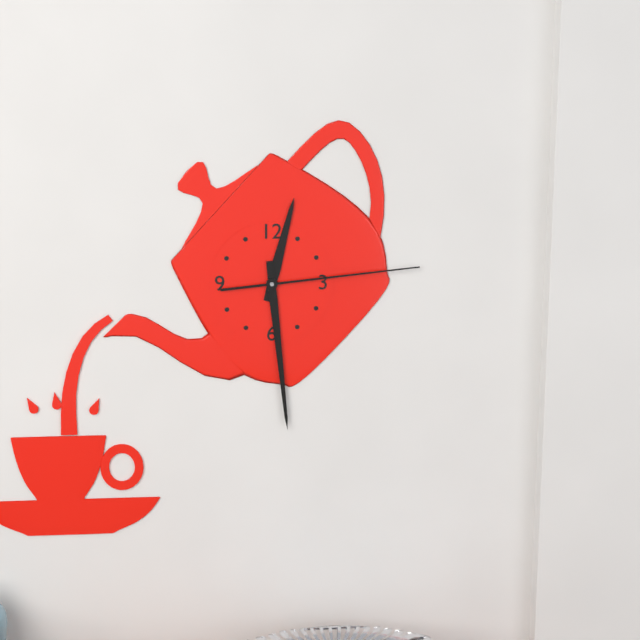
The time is 12:29:14
